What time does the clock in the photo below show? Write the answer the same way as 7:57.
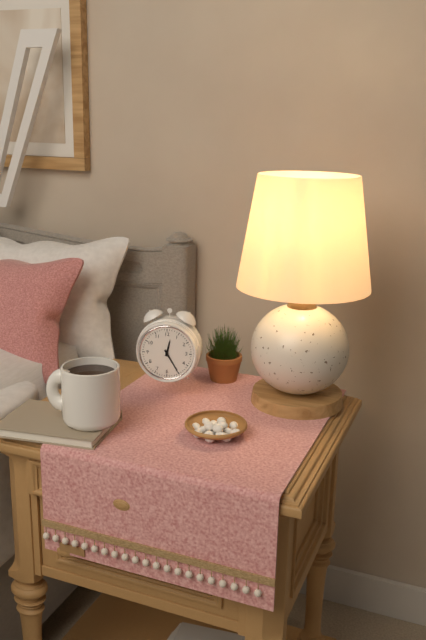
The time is 12:25
